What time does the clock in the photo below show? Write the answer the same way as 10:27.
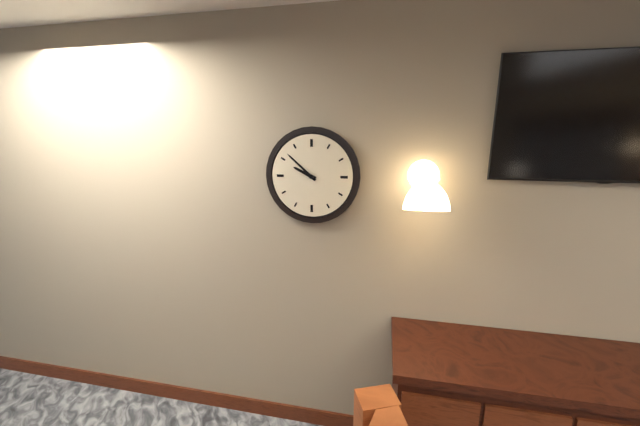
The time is 9:52
